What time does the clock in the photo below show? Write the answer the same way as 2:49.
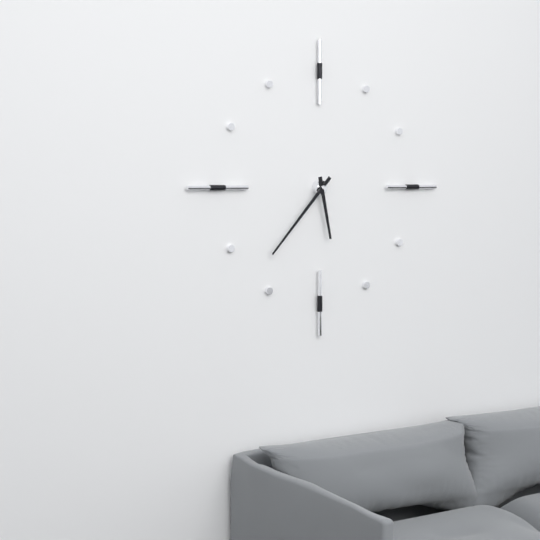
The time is 5:37
